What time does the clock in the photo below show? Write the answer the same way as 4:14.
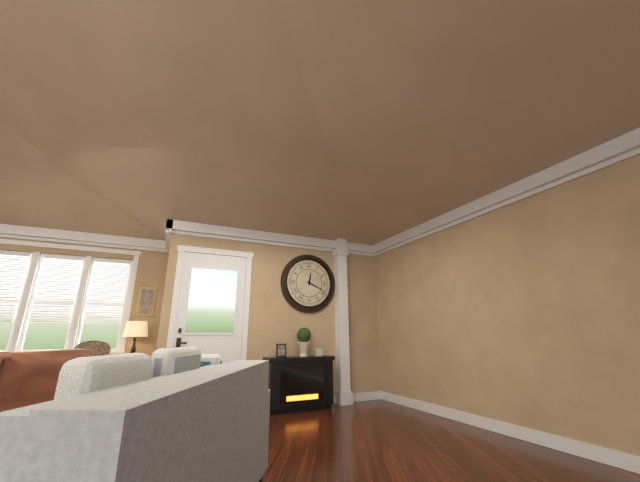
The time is 12:19
